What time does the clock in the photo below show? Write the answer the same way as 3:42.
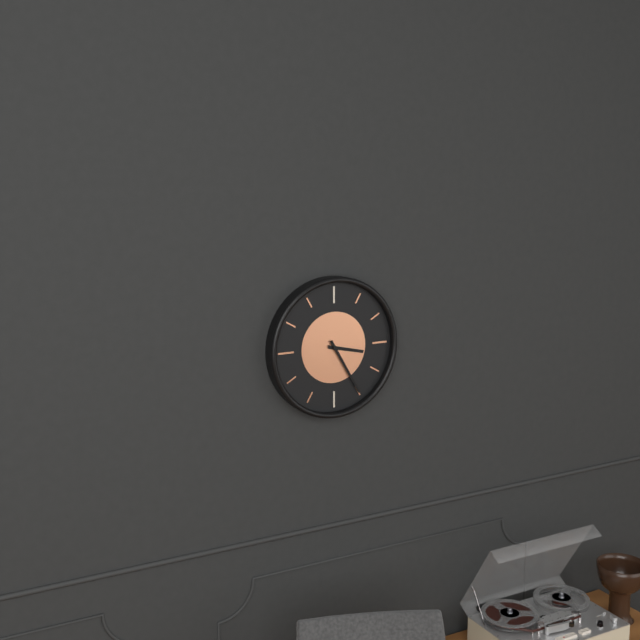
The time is 3:25
